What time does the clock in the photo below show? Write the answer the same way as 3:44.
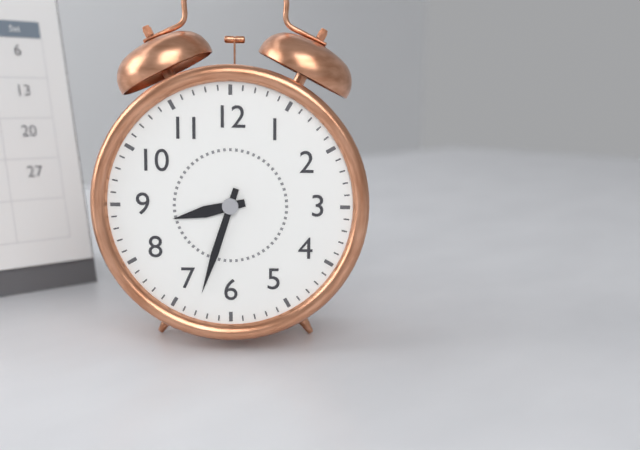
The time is 8:33
